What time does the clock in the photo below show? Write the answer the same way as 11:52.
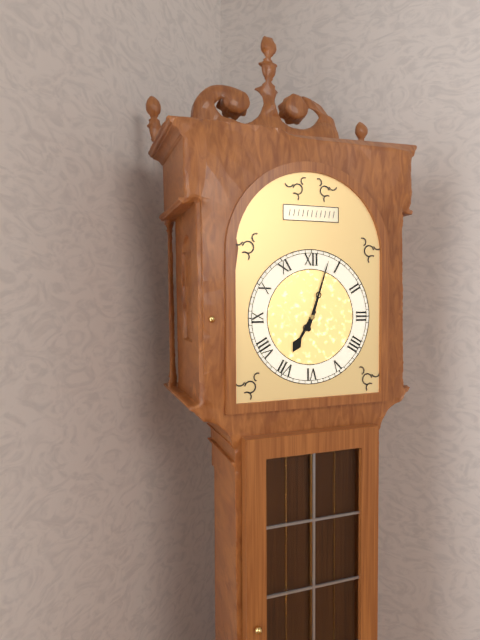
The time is 7:03
